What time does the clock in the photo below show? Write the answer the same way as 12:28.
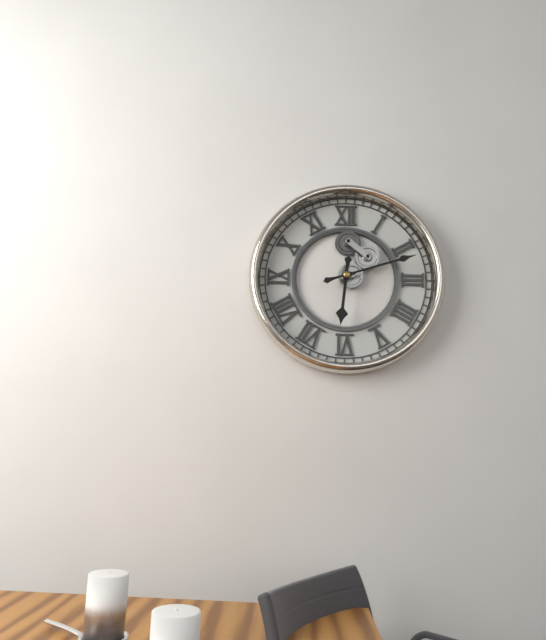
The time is 6:12
